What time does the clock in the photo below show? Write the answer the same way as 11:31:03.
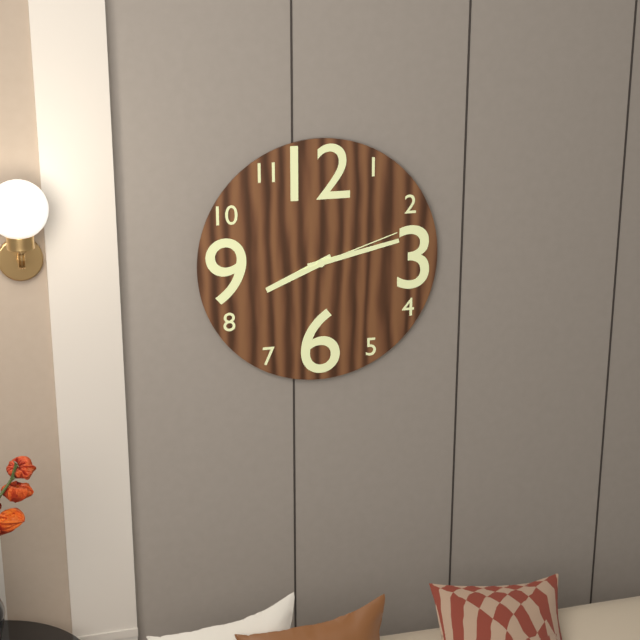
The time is 8:13:12
